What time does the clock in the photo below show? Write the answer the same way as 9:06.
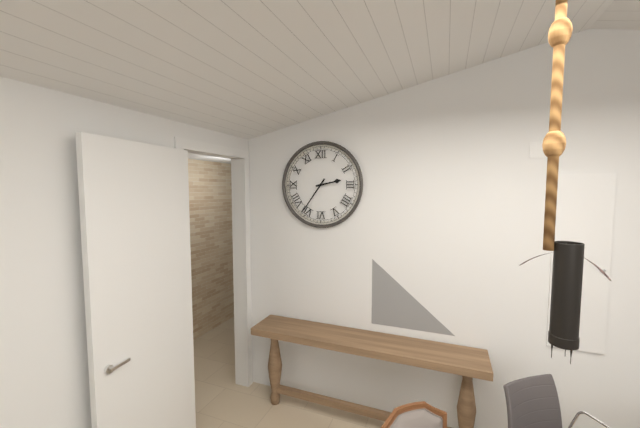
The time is 2:36
